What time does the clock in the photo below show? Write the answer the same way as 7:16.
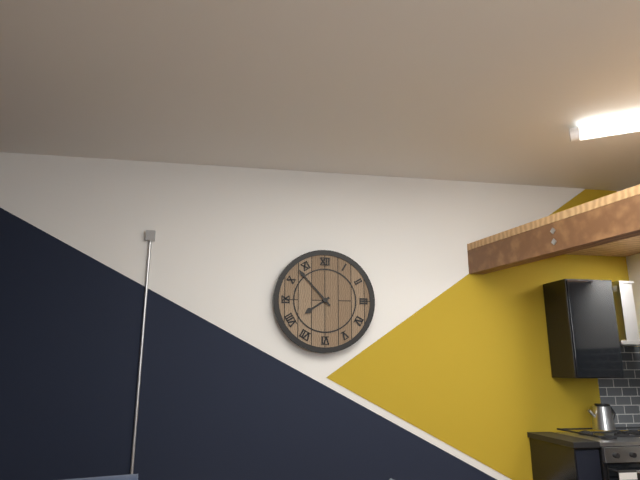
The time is 7:53
